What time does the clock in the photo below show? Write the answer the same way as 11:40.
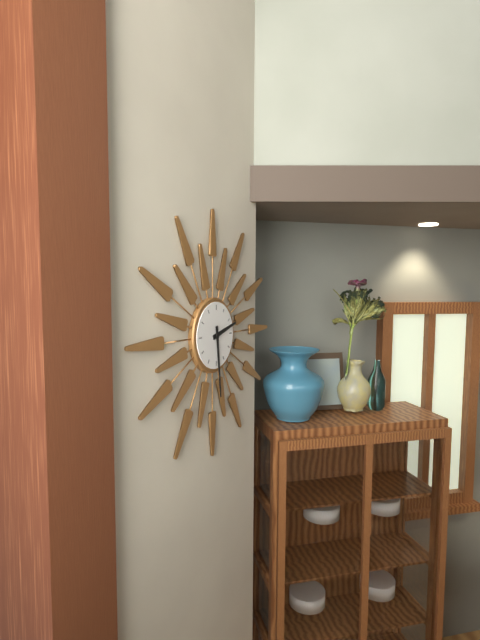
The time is 2:29
